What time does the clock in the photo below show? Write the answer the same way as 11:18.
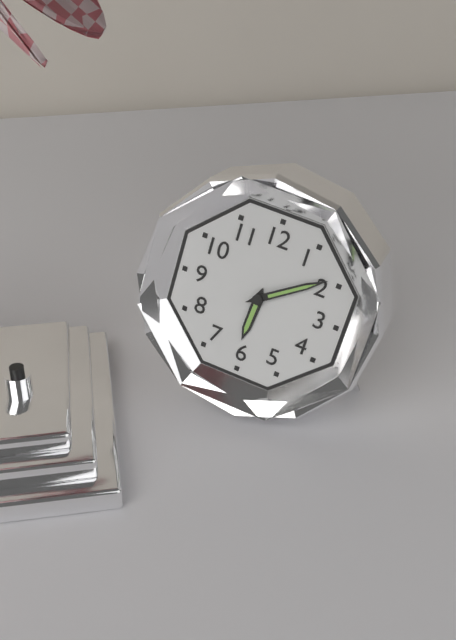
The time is 6:09
